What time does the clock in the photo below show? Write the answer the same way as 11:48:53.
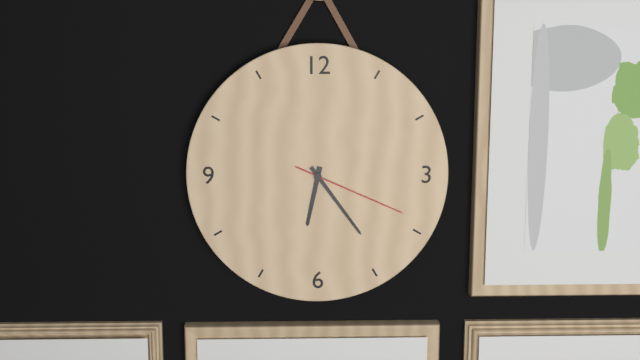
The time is 6:24:19
